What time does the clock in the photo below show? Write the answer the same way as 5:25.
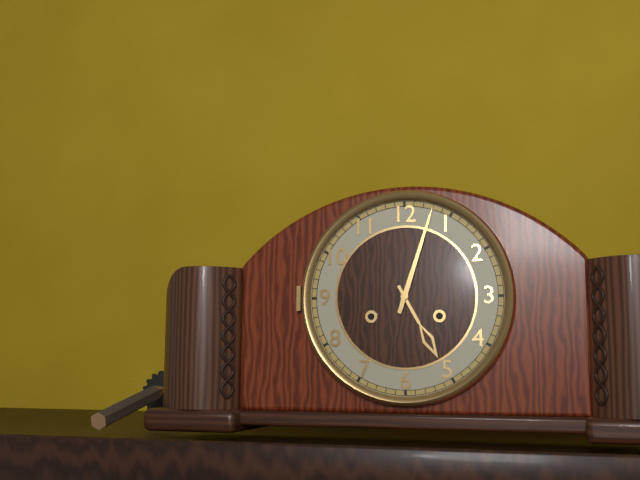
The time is 5:03
